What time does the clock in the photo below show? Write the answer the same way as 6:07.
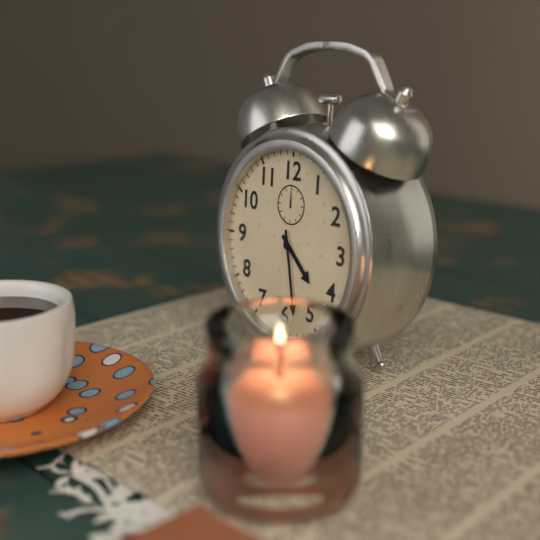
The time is 4:28
